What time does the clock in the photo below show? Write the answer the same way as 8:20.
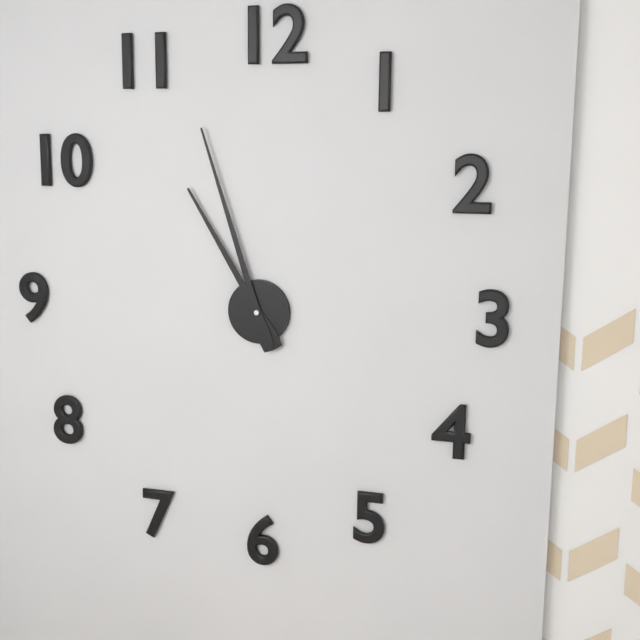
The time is 10:57
